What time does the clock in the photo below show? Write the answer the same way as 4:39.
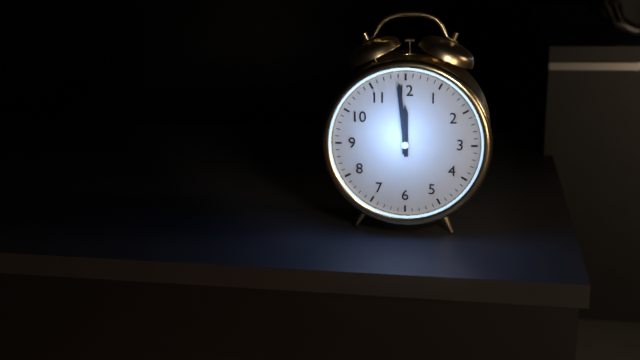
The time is 11:59
